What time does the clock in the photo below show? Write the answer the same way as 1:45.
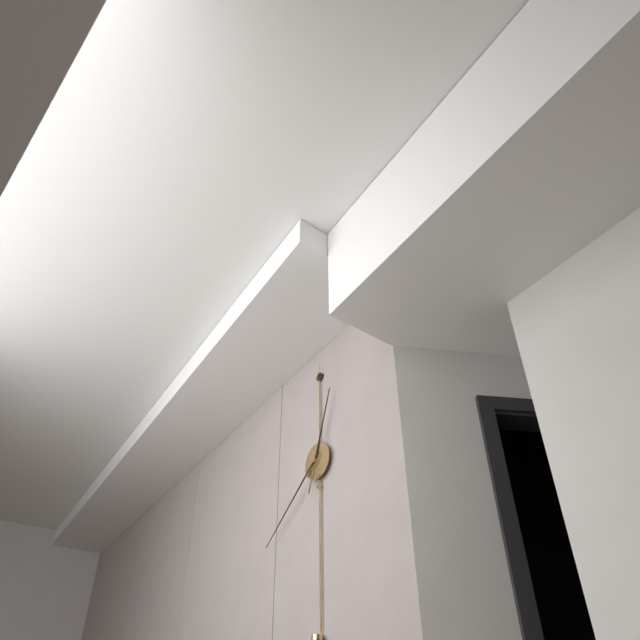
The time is 12:39
